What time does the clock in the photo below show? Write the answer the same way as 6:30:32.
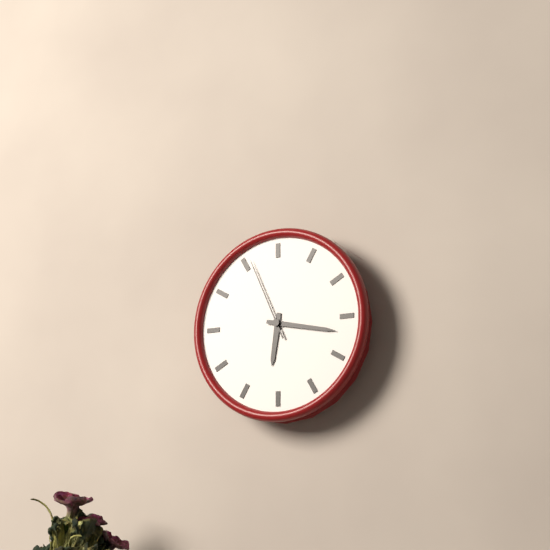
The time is 6:17:56
